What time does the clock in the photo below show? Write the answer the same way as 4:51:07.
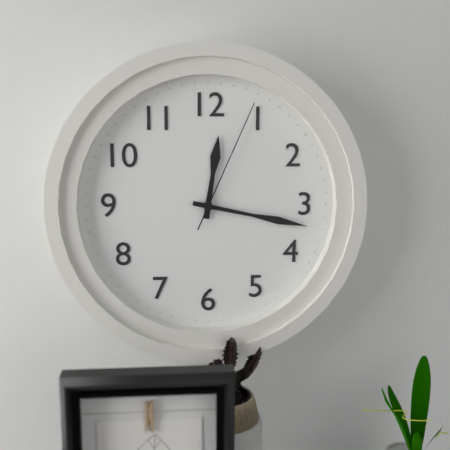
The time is 12:17:04
